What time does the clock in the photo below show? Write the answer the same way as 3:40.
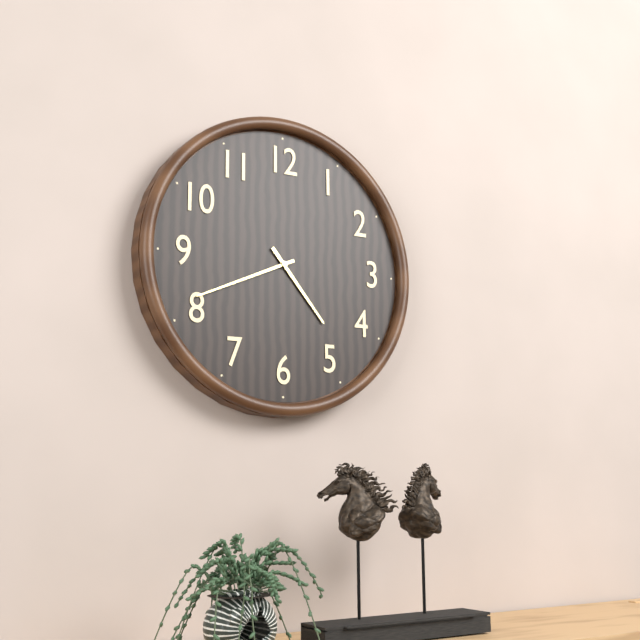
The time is 4:41
